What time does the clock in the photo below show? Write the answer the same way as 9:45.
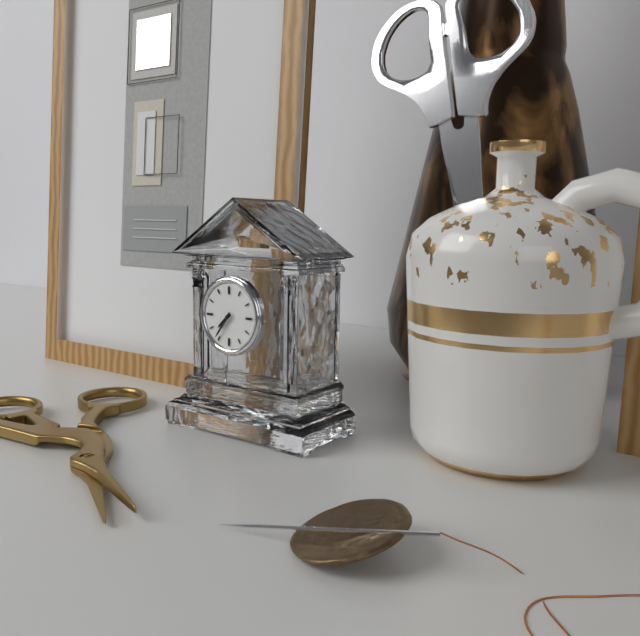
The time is 7:36
